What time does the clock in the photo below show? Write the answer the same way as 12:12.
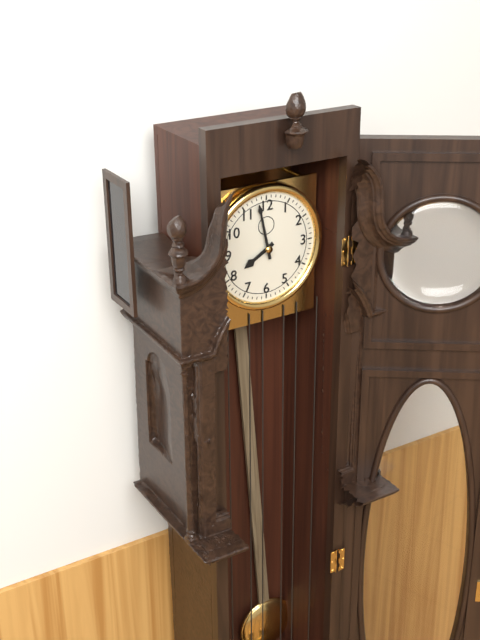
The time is 7:58
